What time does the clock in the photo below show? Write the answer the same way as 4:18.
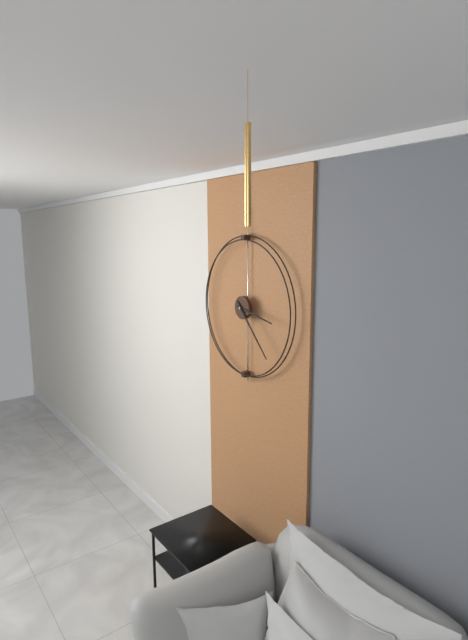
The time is 3:23
